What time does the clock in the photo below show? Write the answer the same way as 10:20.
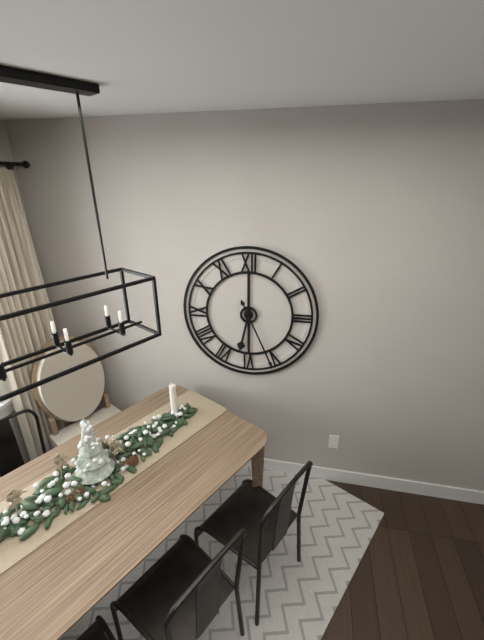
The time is 6:26
